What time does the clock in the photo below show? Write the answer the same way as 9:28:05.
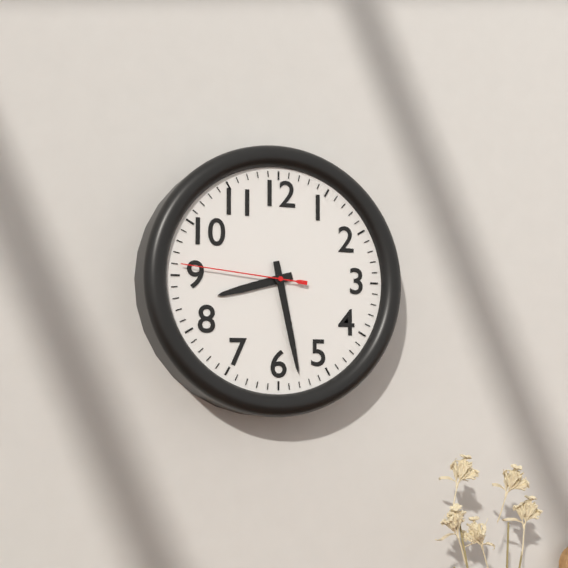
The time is 8:28:46
